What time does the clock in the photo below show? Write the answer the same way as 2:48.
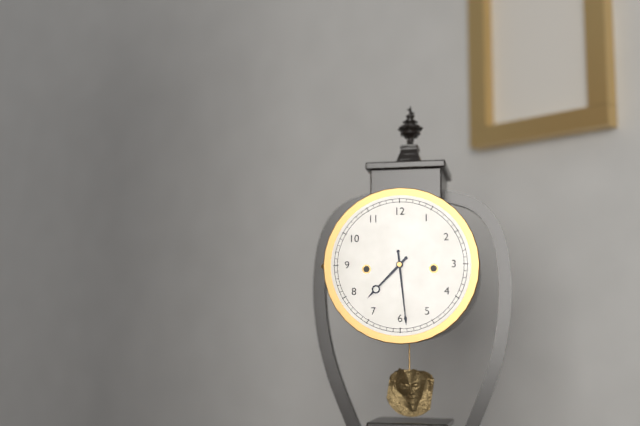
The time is 7:29
